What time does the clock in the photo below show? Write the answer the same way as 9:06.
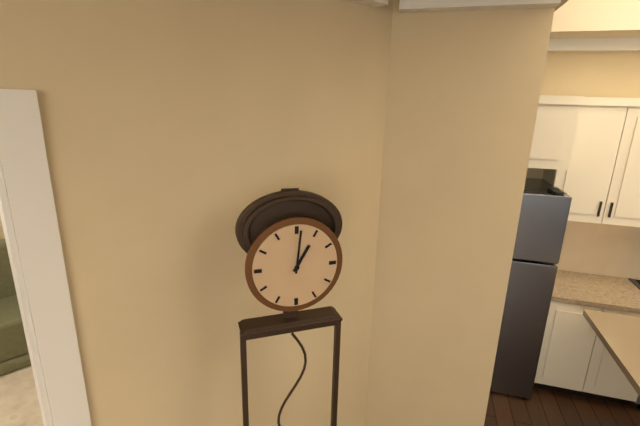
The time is 1:01
